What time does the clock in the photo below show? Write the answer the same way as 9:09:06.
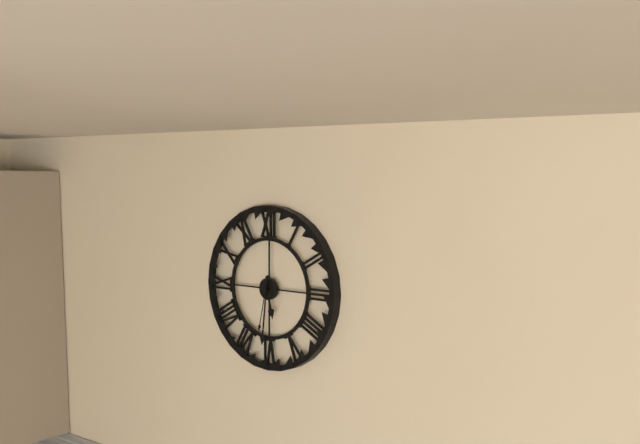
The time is 5:31:32
